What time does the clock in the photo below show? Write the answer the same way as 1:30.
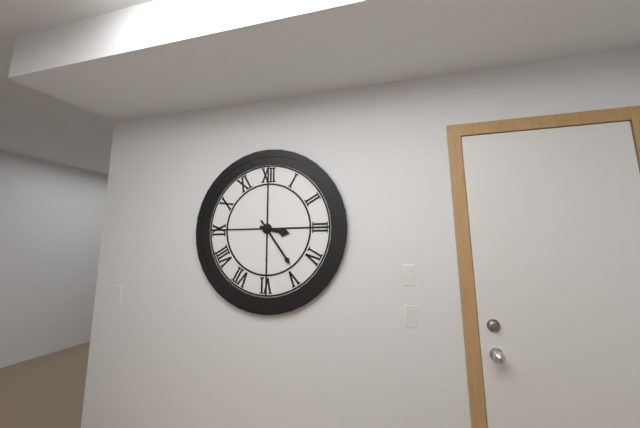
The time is 3:24
